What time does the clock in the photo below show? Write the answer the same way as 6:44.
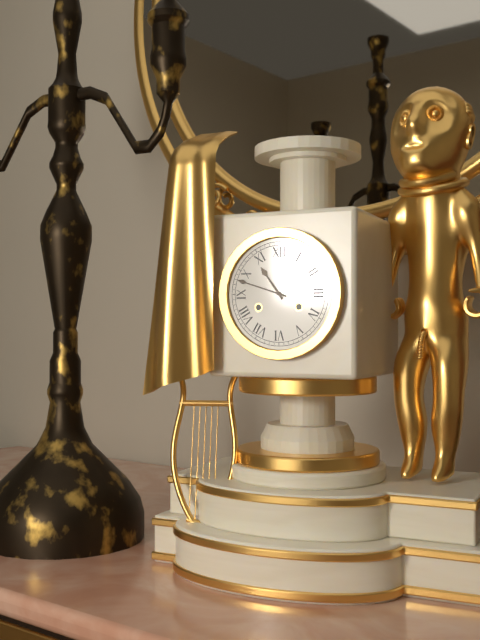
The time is 10:48
